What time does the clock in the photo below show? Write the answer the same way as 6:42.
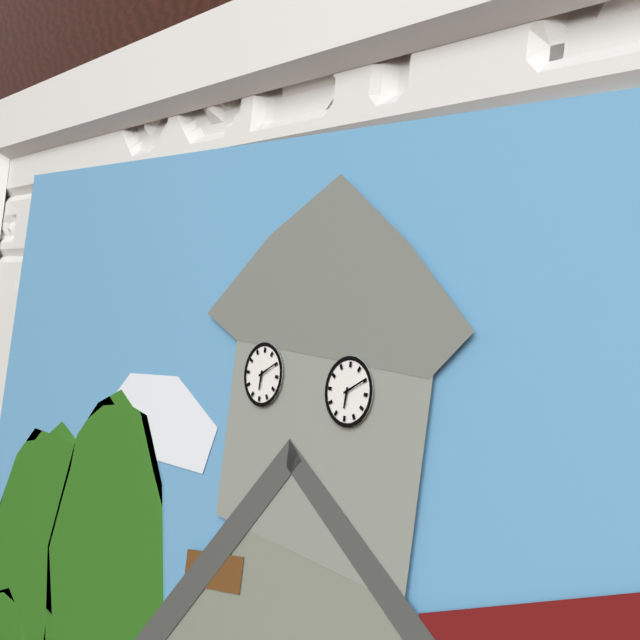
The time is 6:10
